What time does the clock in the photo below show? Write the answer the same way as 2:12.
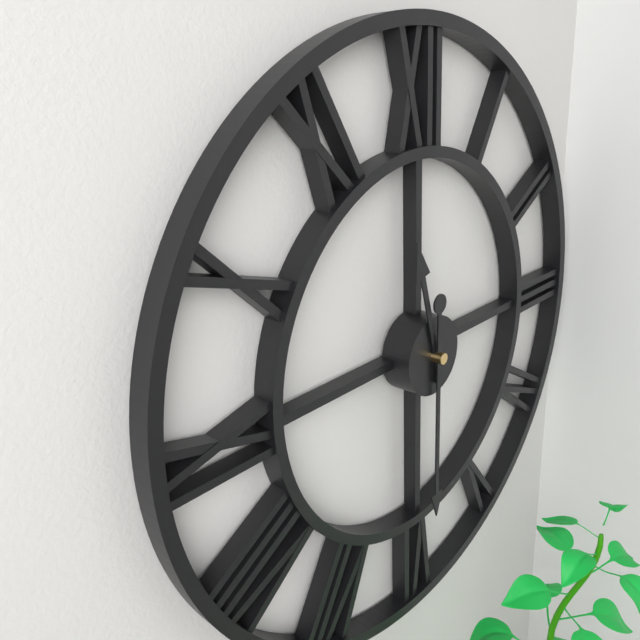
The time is 11:30
